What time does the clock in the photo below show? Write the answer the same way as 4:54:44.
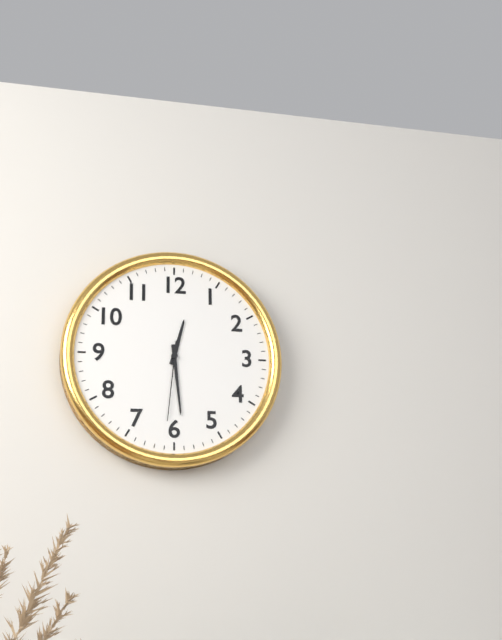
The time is 12:29:31
